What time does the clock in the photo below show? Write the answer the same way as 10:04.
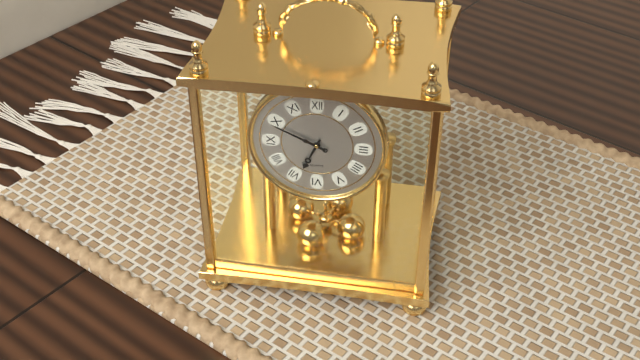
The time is 6:49
